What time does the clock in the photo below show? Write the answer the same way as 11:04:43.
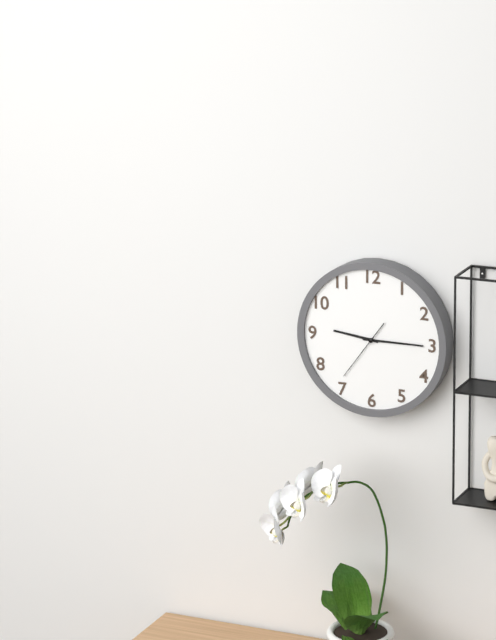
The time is 9:15:36
